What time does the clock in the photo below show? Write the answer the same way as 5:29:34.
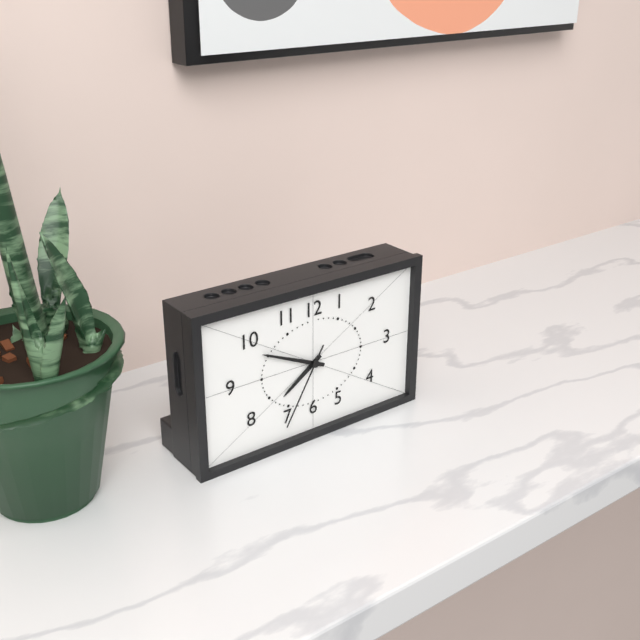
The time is 7:49:35
